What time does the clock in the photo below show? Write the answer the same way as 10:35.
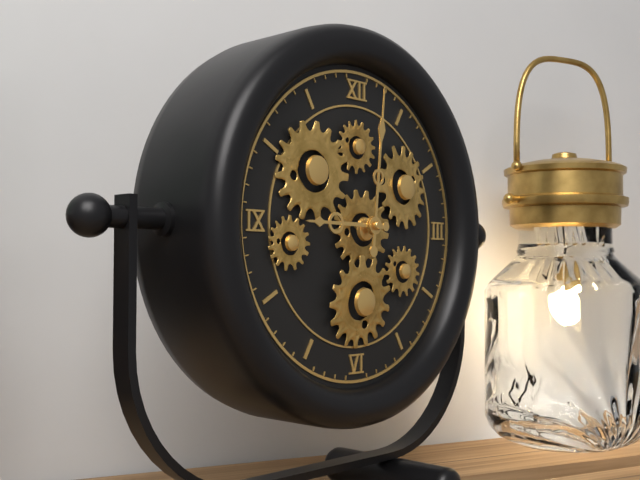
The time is 9:01
